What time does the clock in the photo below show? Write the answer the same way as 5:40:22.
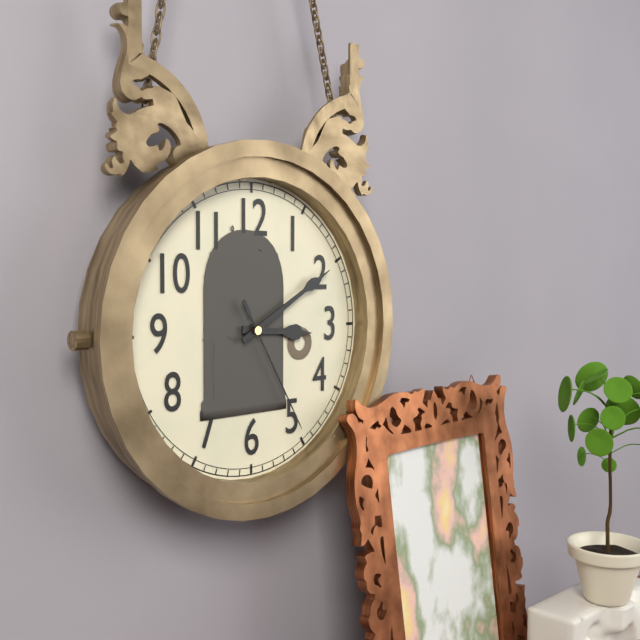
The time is 3:10:25
